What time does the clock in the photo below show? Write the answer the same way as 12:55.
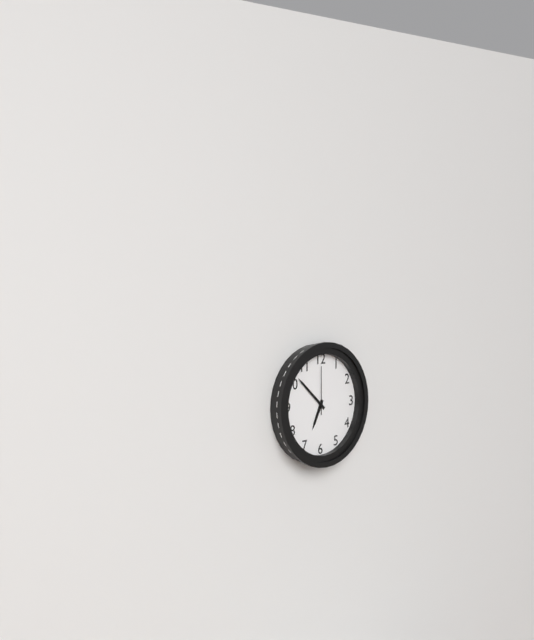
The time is 6:52
